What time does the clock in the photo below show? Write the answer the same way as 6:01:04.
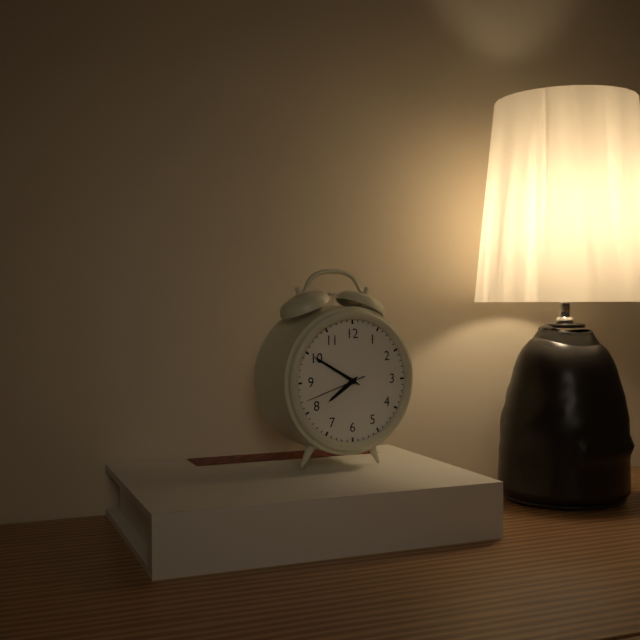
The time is 7:50:42
